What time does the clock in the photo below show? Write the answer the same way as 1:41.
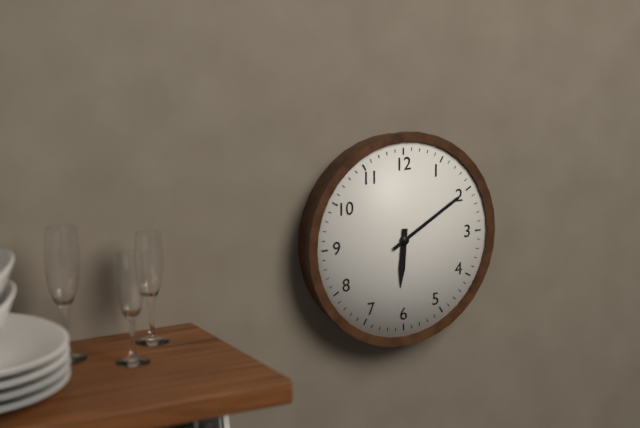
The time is 6:10
